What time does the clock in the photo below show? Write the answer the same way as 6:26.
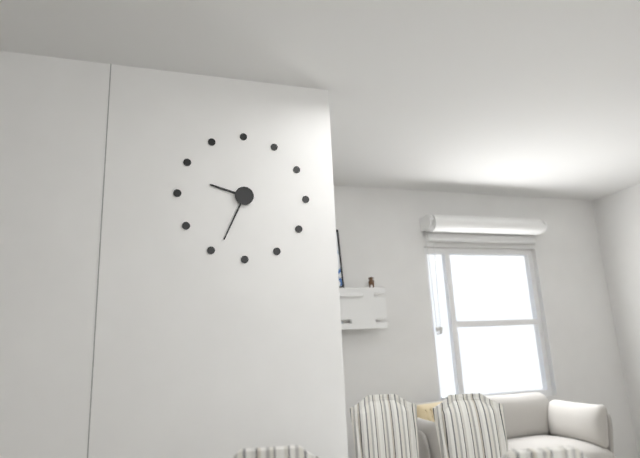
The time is 9:34
